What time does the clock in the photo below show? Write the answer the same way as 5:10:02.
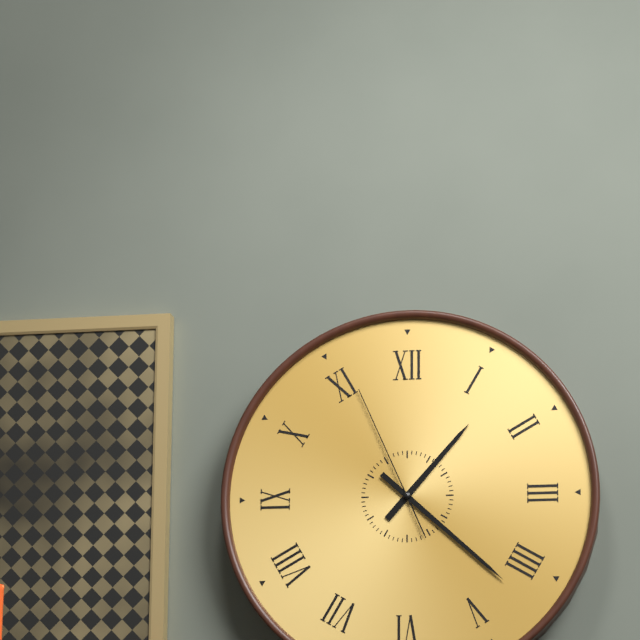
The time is 1:22:56
